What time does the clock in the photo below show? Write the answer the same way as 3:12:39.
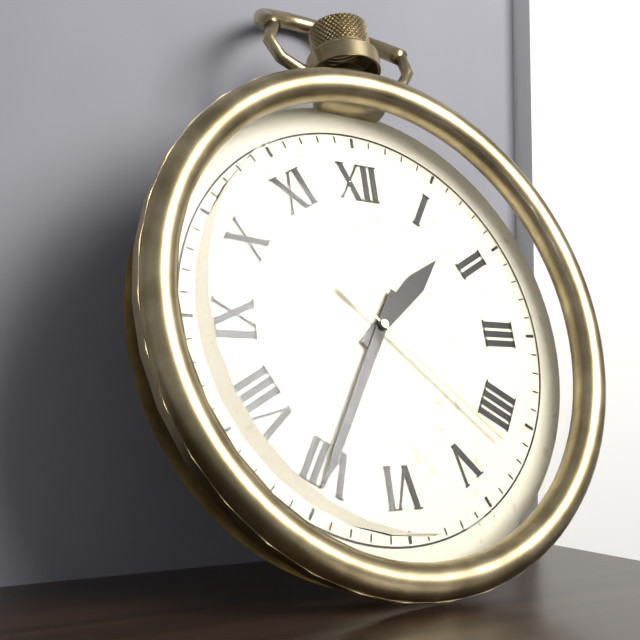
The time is 1:35:22
